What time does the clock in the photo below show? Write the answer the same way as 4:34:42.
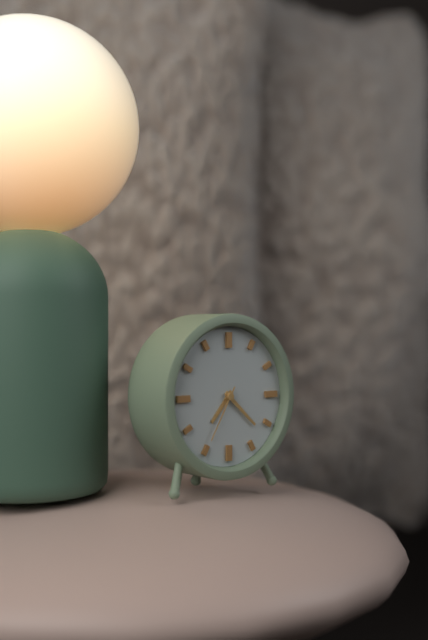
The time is 7:22:35
